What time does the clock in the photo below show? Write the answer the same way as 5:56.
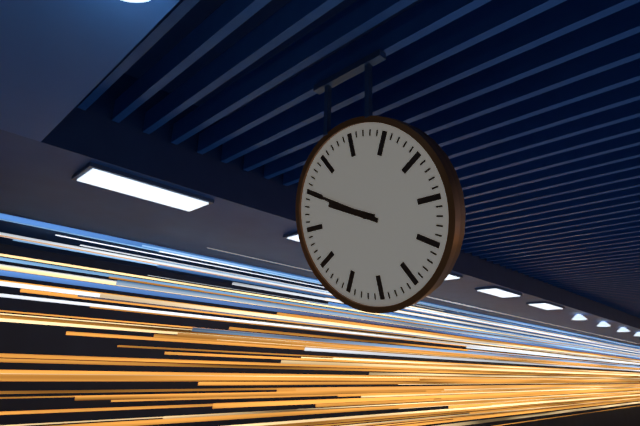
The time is 9:50
